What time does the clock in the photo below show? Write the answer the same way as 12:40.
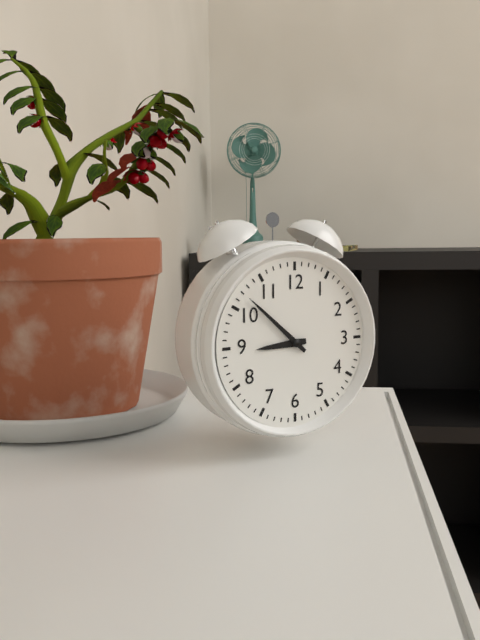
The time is 8:52
